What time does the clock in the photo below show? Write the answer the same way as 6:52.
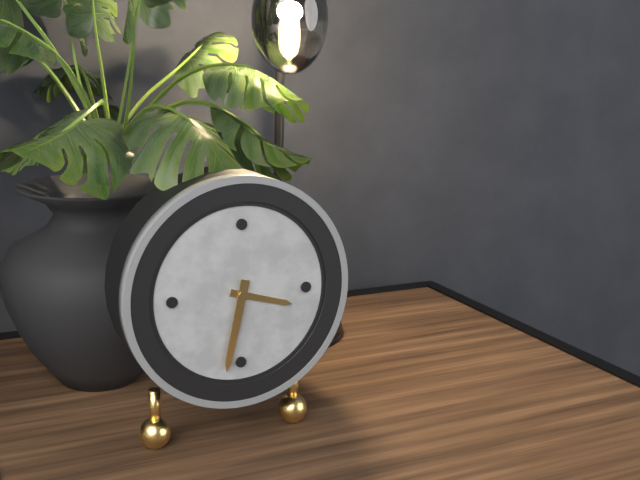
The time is 3:32
